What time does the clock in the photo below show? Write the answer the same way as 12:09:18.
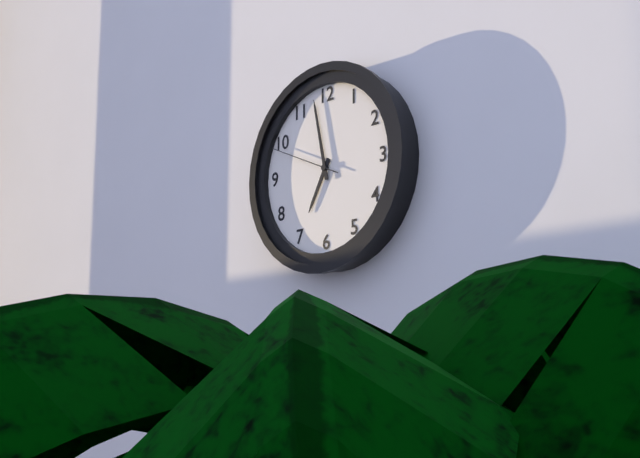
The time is 6:58:49
